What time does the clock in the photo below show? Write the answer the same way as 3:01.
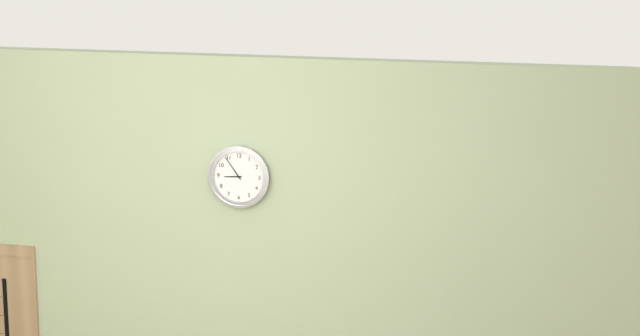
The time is 8:54
